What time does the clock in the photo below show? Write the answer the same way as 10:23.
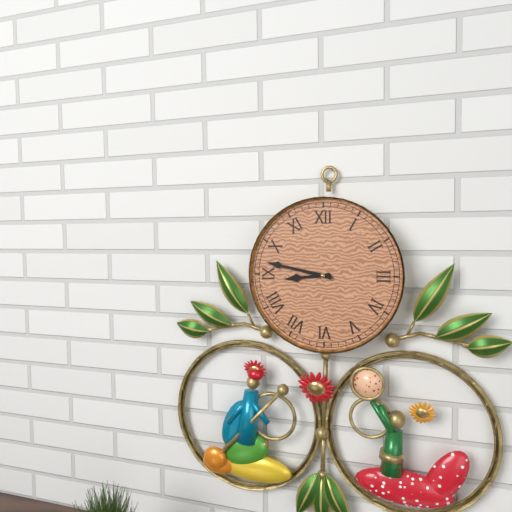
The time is 8:47
